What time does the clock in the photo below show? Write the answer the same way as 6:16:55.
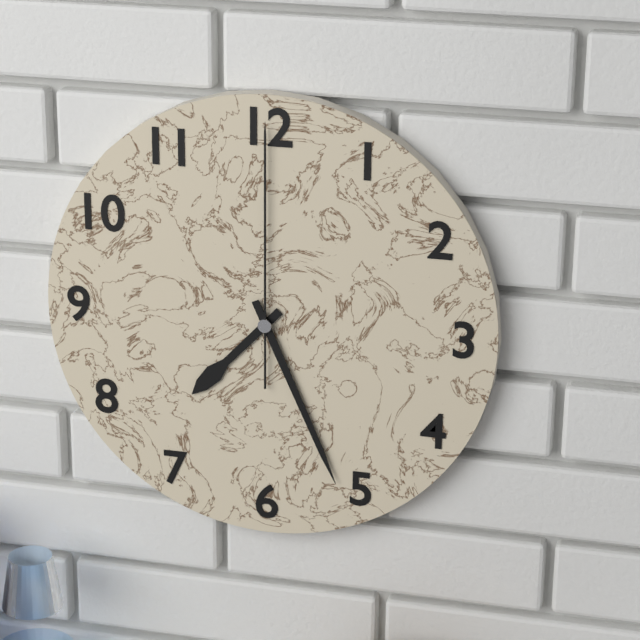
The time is 7:26:00
